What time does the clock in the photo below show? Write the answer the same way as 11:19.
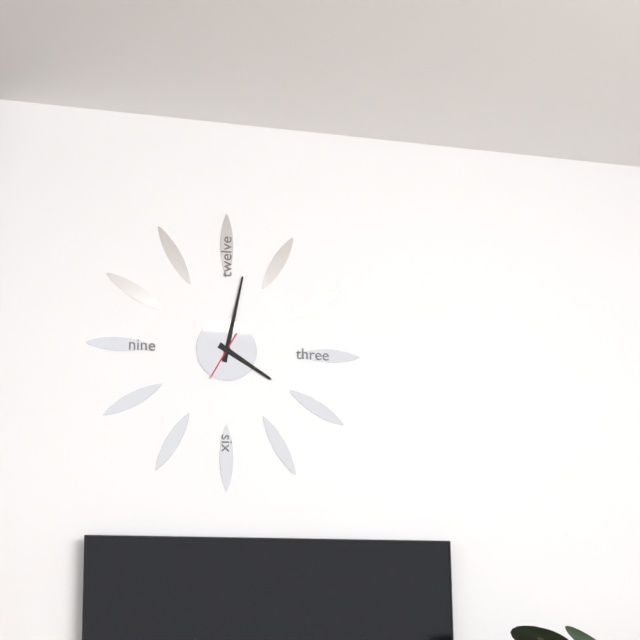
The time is 4:02
